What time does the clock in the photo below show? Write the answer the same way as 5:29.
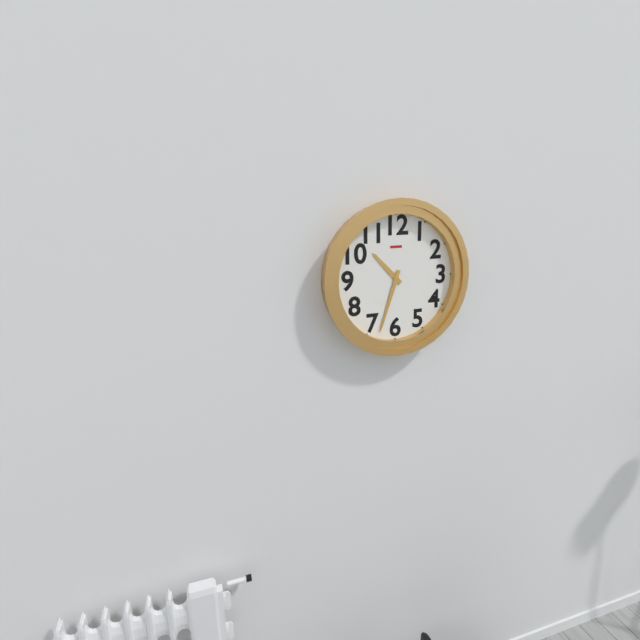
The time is 10:33
